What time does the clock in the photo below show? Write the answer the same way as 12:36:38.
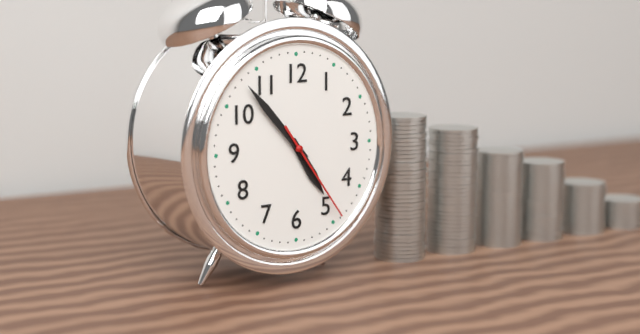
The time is 4:53:24
